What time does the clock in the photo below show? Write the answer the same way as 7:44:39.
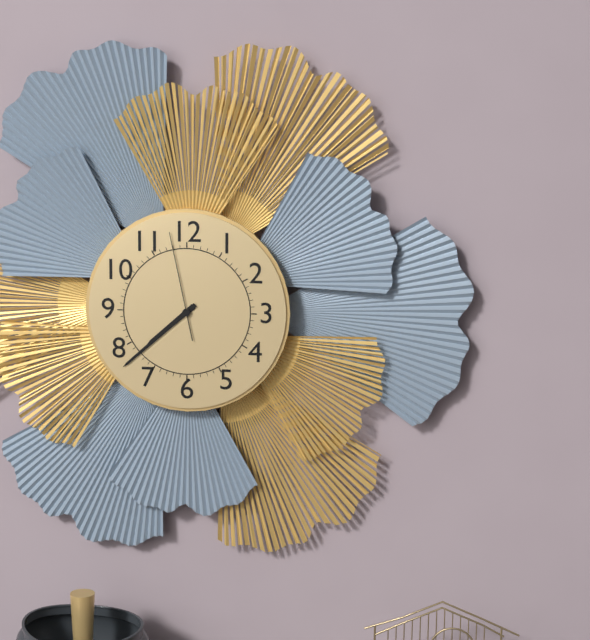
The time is 7:38:58
